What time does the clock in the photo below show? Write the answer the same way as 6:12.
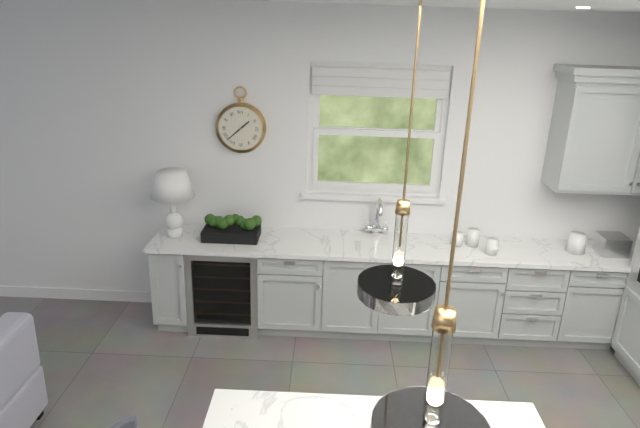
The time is 1:38
